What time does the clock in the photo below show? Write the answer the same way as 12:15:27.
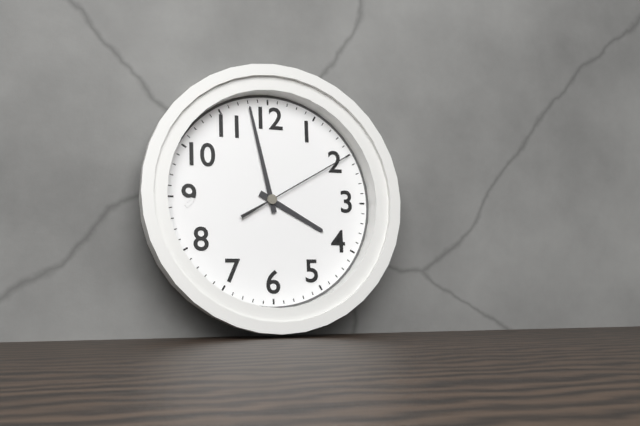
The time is 3:58:10
